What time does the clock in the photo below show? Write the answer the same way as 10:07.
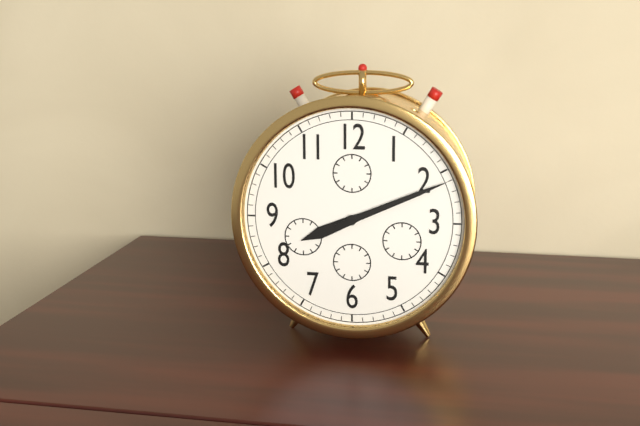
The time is 8:11
